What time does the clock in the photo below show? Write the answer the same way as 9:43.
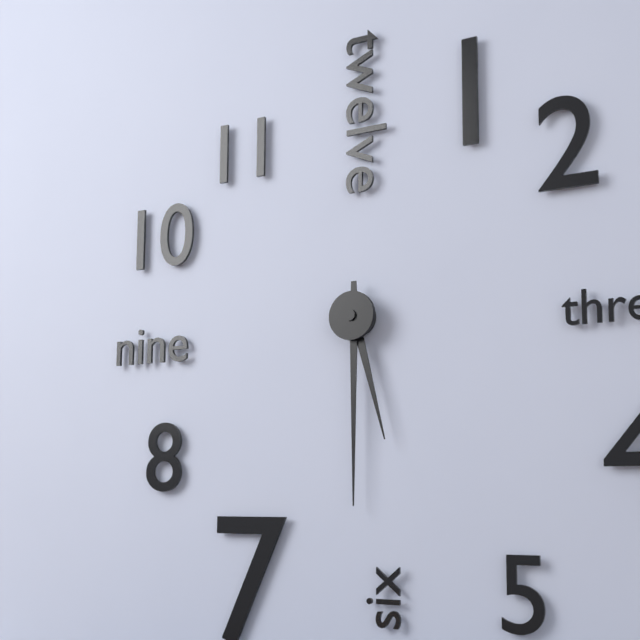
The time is 5:30
